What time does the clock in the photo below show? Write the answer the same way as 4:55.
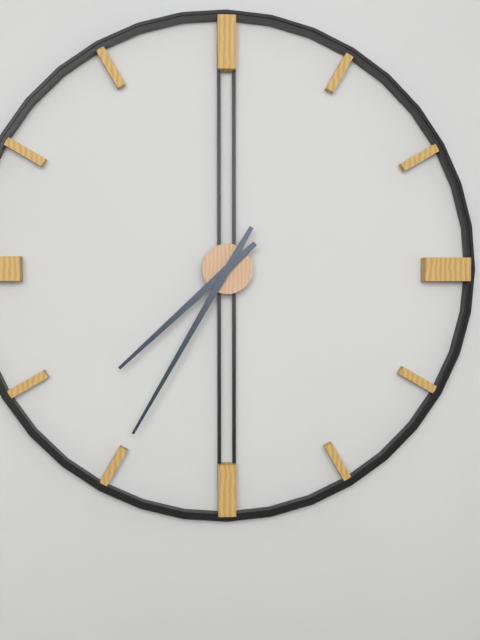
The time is 7:35
